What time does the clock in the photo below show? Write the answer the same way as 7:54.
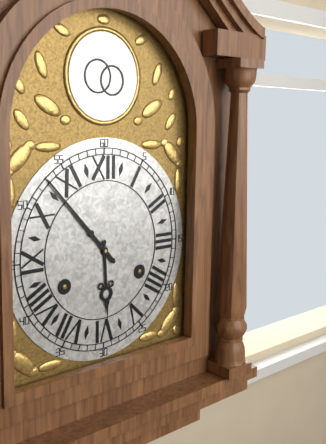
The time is 5:53
